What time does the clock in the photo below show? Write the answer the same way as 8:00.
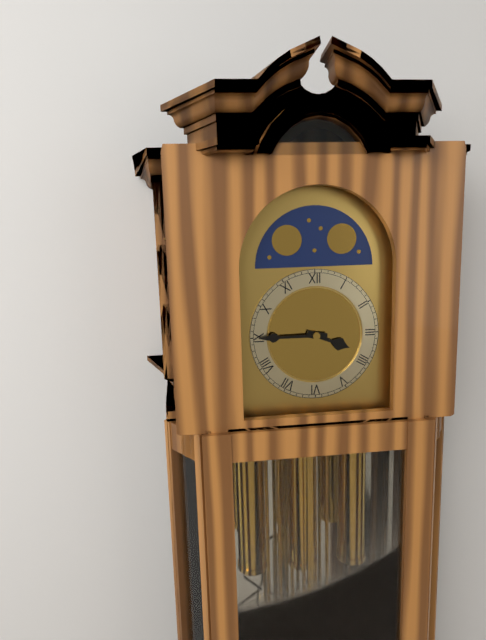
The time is 3:45
